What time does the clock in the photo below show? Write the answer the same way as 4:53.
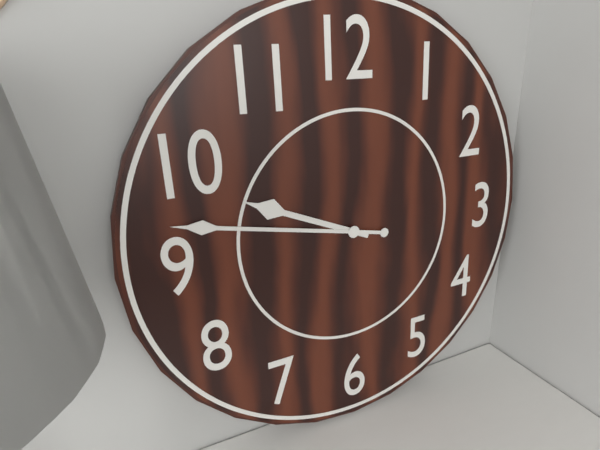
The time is 9:47
